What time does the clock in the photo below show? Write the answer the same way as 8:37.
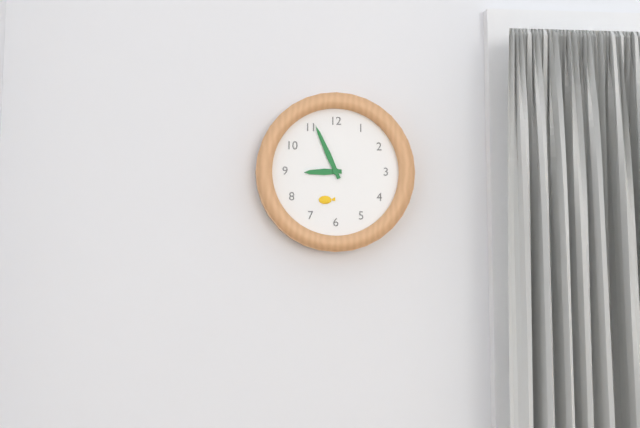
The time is 8:56
